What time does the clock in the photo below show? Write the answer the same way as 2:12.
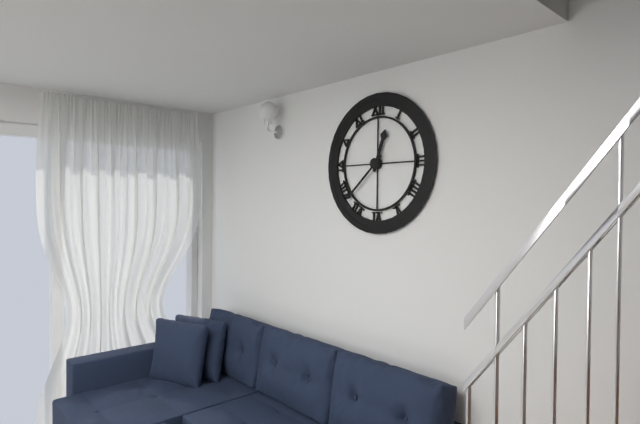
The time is 12:38
